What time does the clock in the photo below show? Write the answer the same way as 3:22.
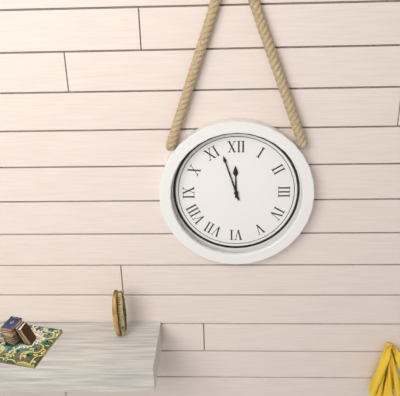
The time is 11:57
